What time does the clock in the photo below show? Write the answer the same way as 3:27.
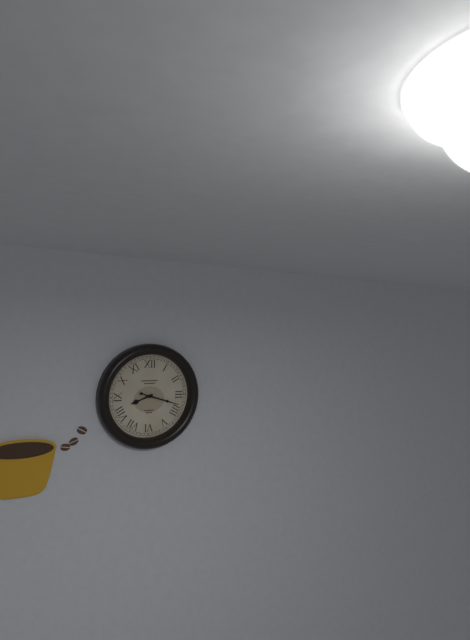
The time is 8:18
